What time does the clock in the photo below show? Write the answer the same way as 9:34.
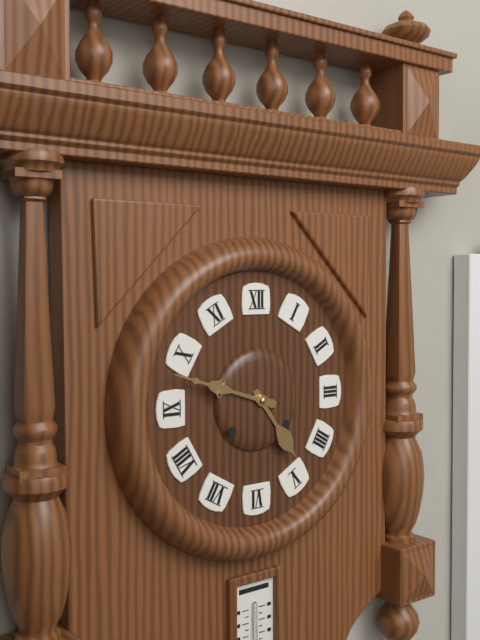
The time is 4:48
